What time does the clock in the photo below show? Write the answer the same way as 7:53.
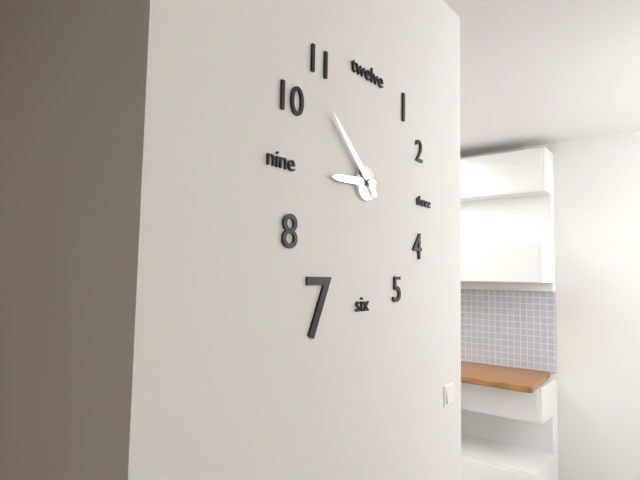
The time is 8:52
